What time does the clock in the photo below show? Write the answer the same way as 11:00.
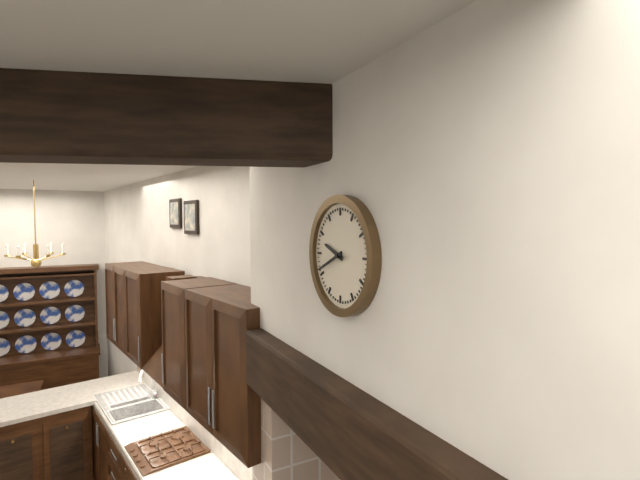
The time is 9:41
